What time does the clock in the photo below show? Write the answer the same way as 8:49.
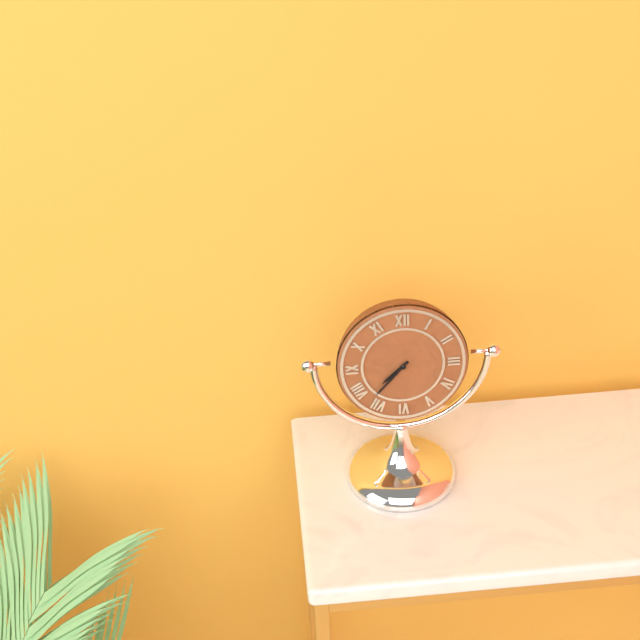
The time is 7:37
